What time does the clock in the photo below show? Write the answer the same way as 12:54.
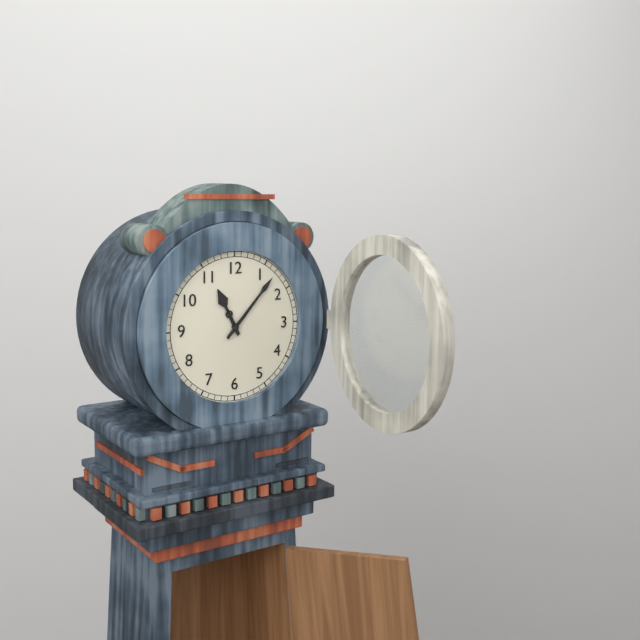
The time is 11:07
